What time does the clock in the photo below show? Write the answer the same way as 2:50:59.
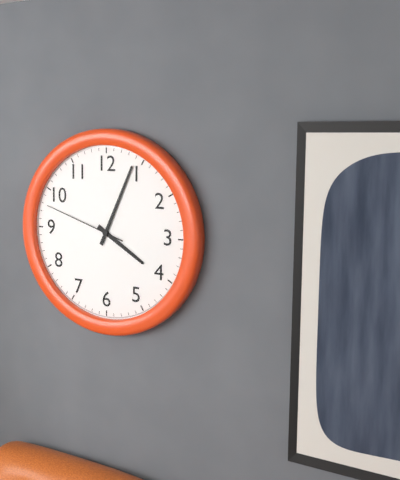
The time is 4:04:48
